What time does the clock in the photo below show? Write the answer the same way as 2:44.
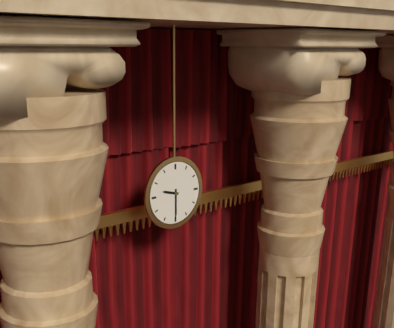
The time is 9:30
